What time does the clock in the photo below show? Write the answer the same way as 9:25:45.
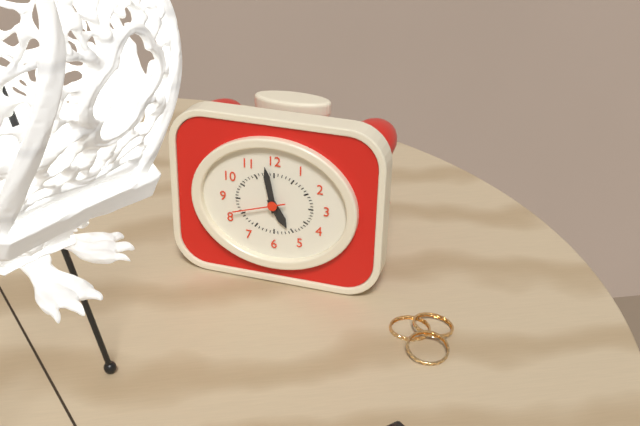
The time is 4:58:42
